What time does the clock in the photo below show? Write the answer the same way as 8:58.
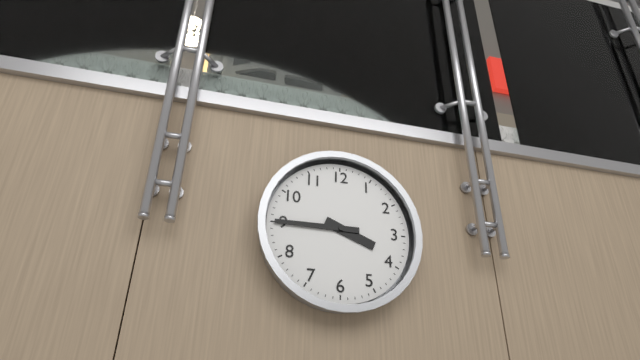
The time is 3:45
